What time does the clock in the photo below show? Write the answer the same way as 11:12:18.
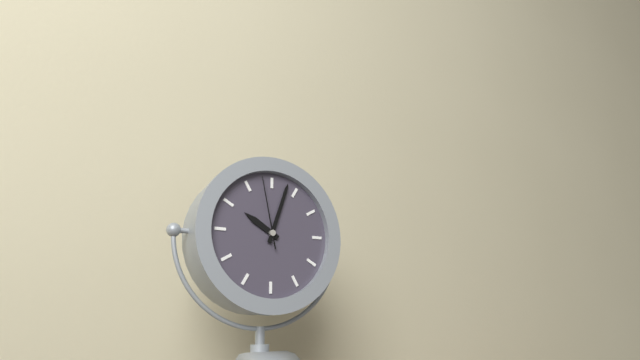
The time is 10:03:58
